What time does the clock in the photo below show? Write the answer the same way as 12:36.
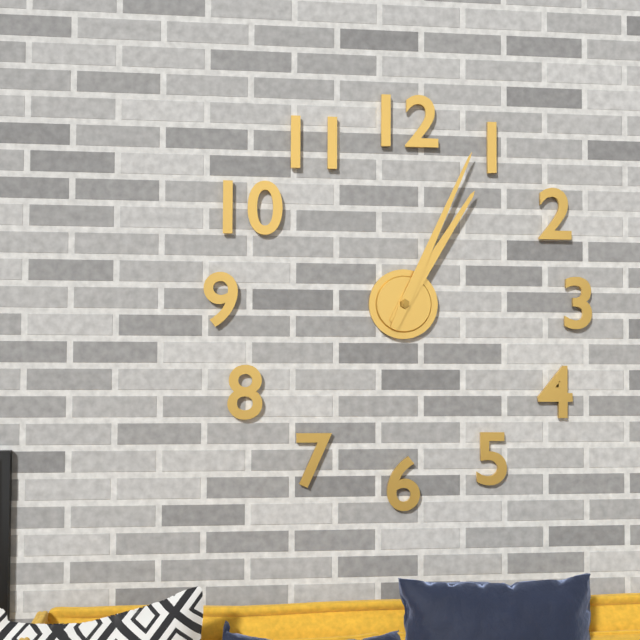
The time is 1:04
